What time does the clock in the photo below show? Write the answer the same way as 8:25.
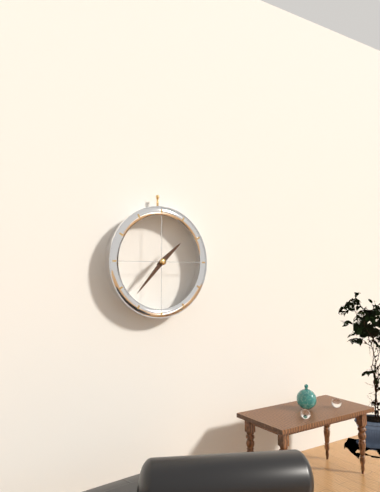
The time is 1:37
